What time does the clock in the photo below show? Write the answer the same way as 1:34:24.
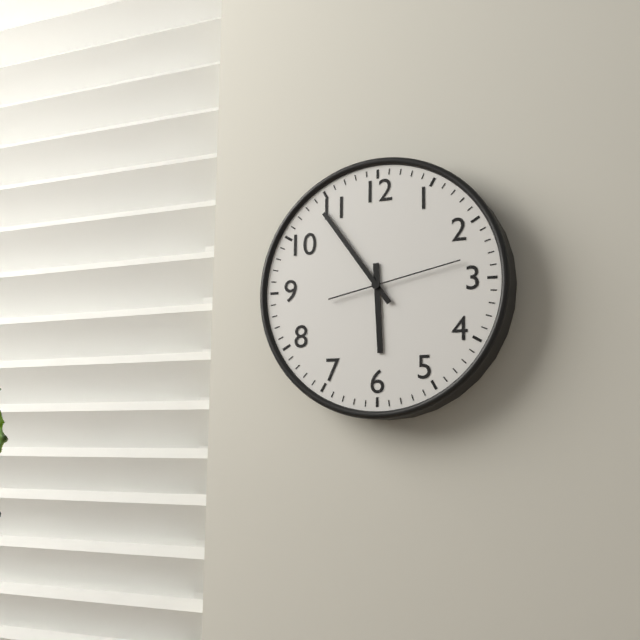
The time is 5:54:13
